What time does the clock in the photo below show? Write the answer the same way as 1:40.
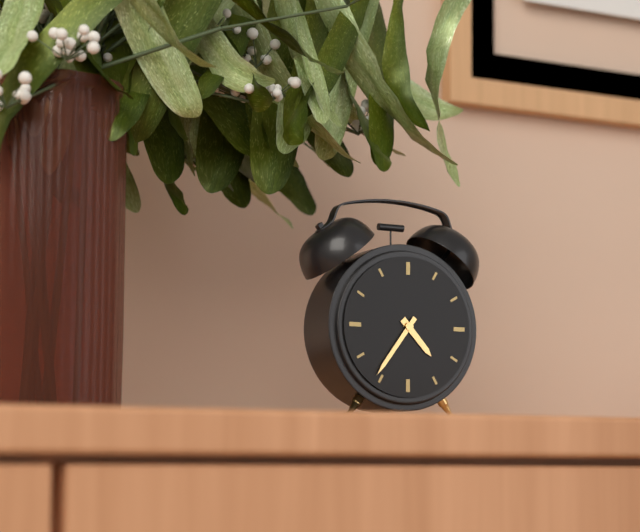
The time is 4:36
